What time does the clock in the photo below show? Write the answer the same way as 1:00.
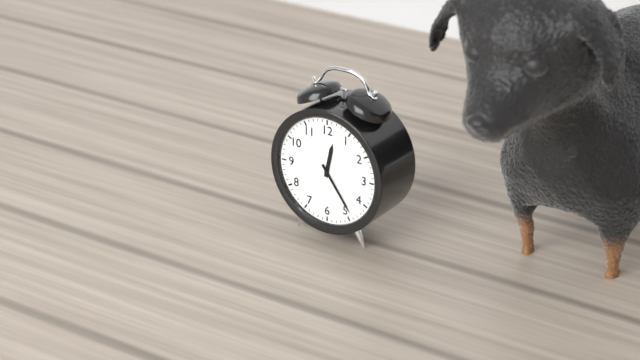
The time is 12:24
